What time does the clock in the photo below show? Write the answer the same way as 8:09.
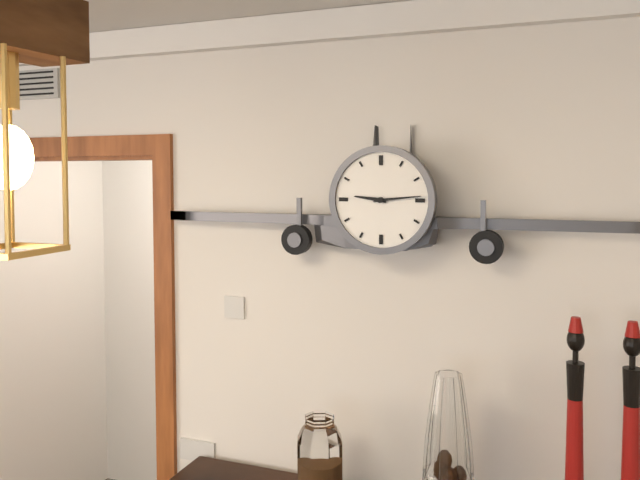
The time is 9:14
